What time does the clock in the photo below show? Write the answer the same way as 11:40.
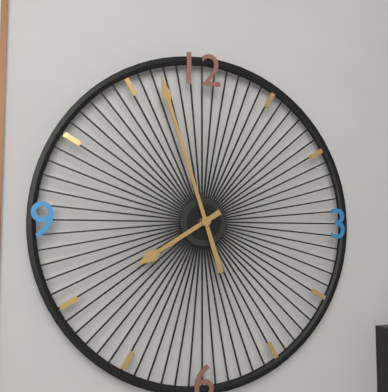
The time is 7:57
